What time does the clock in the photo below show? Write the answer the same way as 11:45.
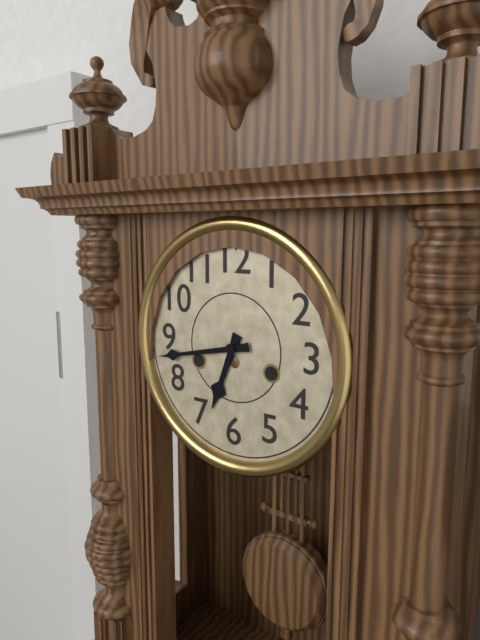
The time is 6:43
